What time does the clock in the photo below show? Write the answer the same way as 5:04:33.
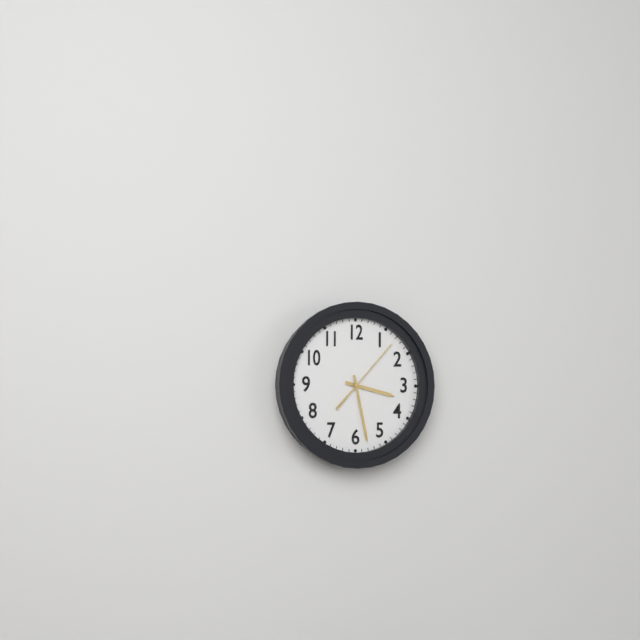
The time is 3:28:07
